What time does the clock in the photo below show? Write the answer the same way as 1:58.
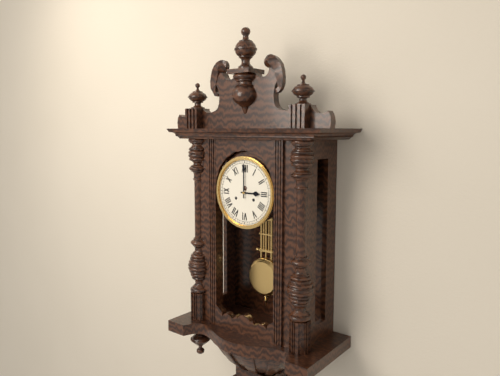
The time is 3:00
